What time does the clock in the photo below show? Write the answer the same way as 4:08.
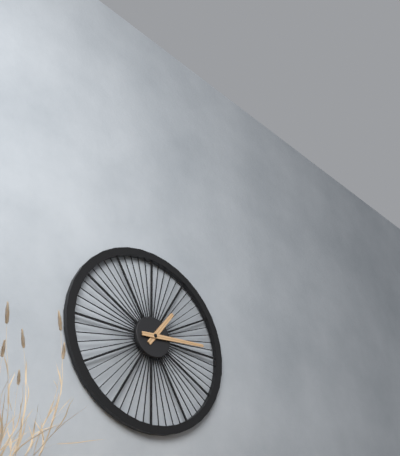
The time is 1:14
